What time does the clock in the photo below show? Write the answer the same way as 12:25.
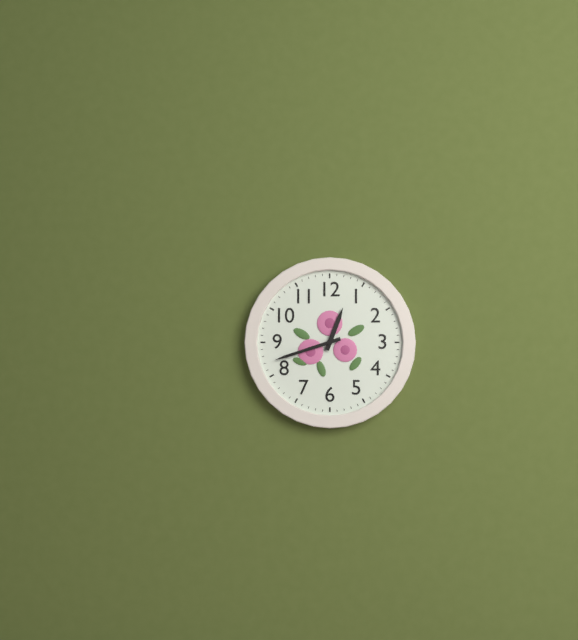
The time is 12:42
